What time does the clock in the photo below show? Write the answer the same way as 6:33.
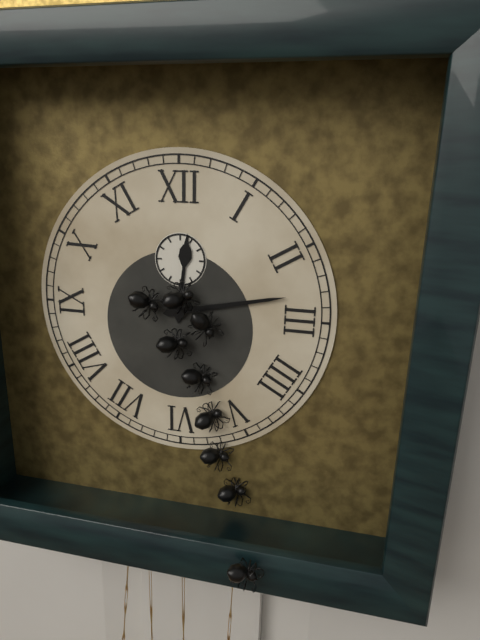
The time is 12:13
